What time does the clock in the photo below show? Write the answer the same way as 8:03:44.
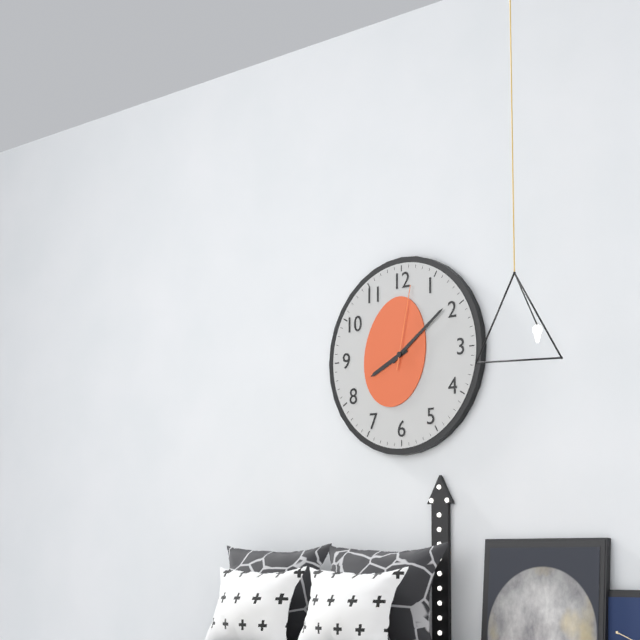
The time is 8:09:02
